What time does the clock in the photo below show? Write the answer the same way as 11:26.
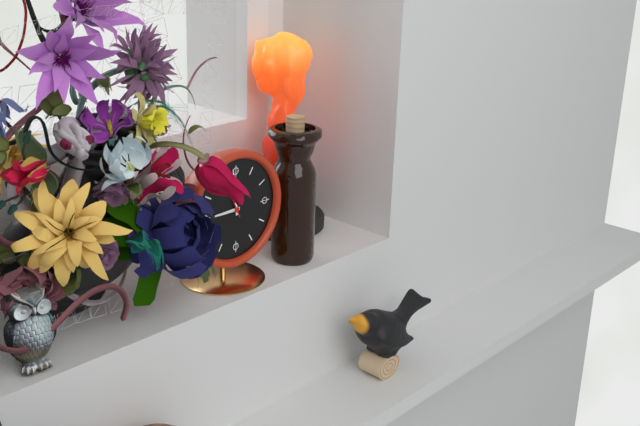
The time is 8:59
